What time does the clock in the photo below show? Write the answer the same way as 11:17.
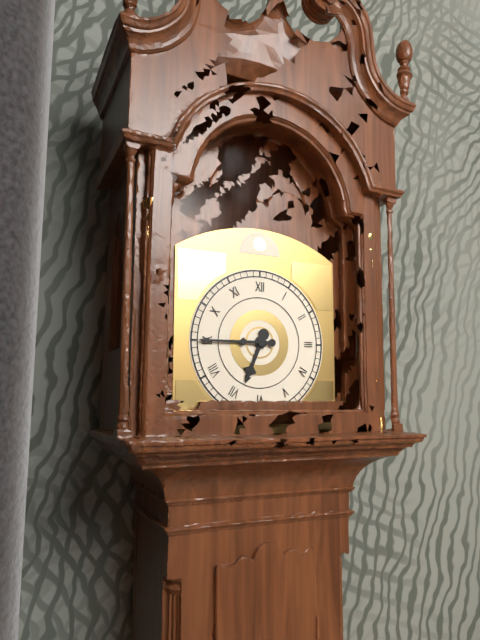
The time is 6:45
